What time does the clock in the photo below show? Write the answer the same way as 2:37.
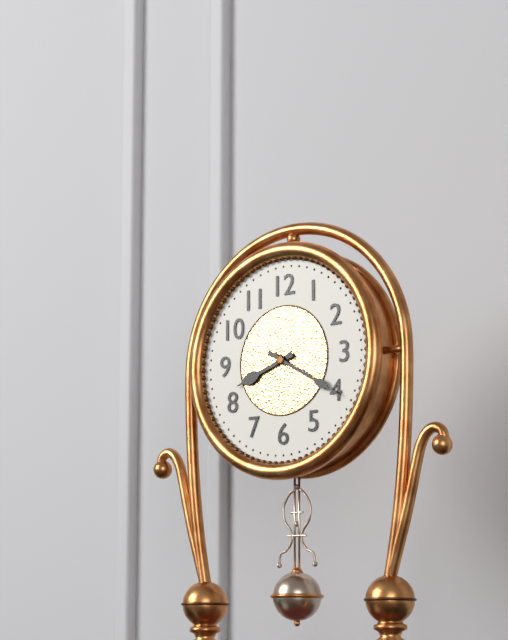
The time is 8:20
